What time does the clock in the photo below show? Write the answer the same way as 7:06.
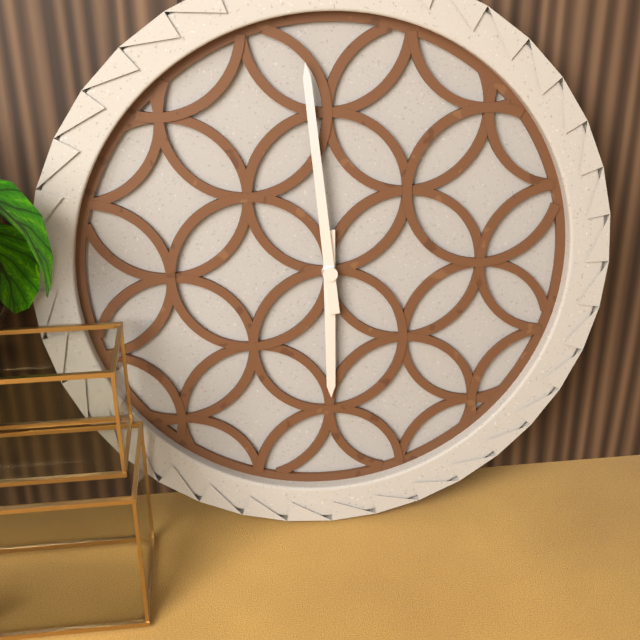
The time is 5:59
